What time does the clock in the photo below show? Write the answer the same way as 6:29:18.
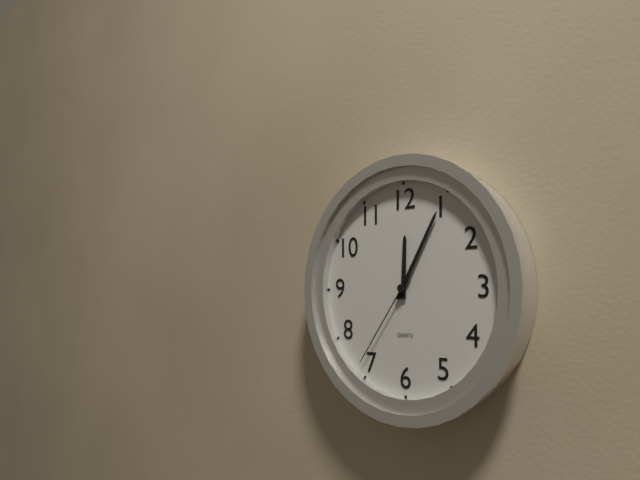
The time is 12:05:36
